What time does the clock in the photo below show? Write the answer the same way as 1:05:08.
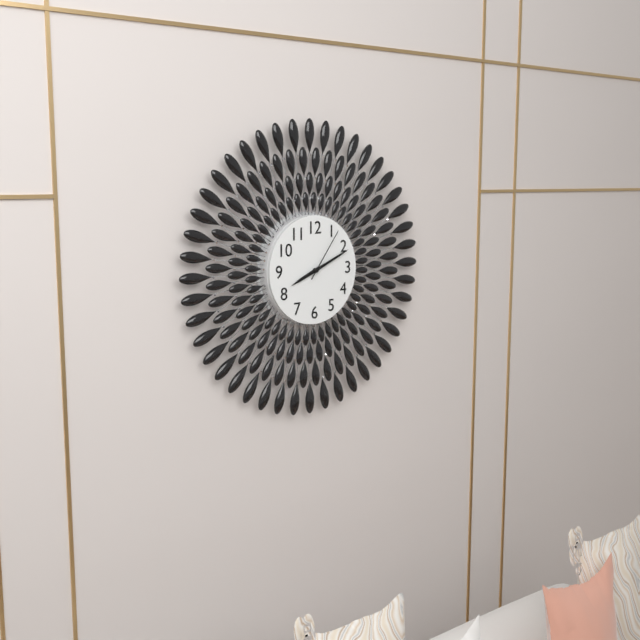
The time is 8:11:06
